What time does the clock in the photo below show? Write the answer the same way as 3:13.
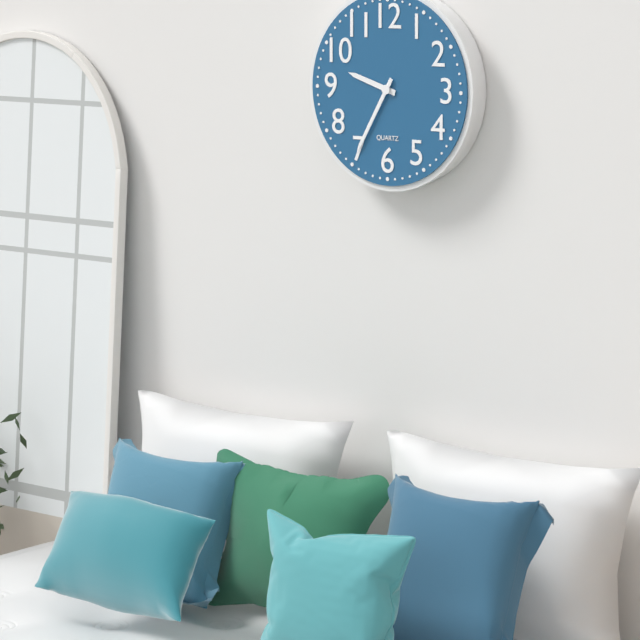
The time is 9:35
